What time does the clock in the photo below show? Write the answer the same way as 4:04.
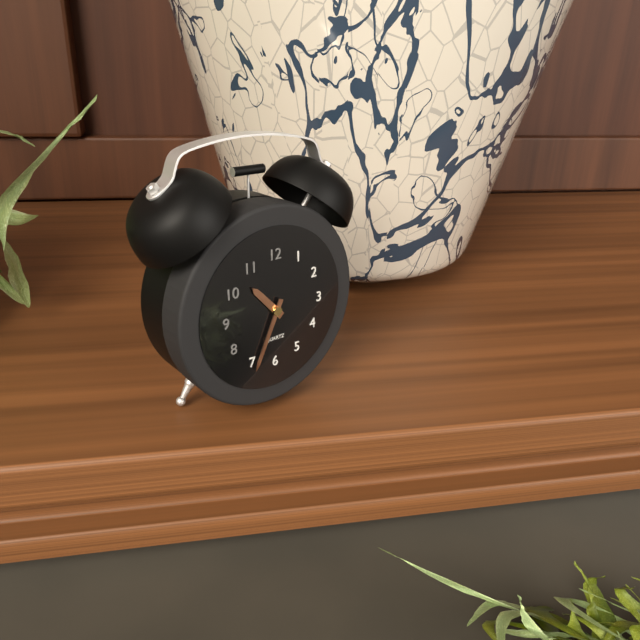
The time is 10:34
